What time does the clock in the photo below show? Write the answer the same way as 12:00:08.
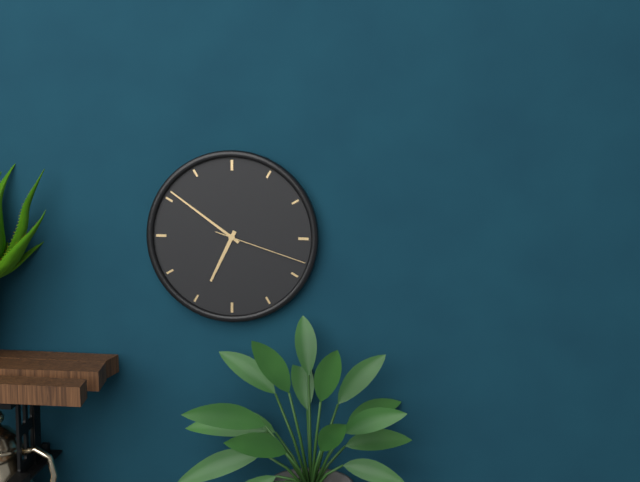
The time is 6:51:18
